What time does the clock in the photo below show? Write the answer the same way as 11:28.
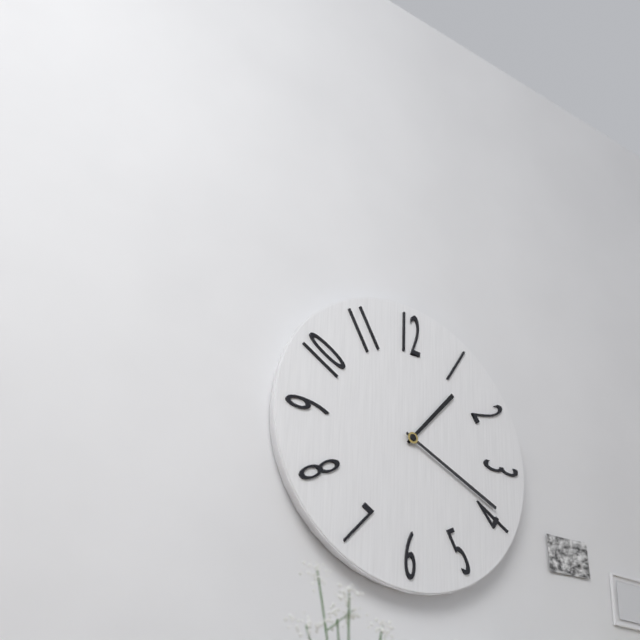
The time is 1:19
